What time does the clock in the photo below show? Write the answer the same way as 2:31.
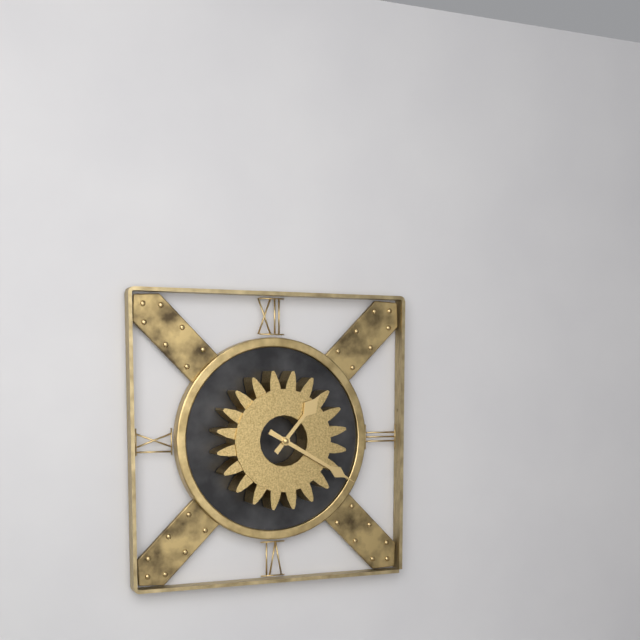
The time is 1:20
